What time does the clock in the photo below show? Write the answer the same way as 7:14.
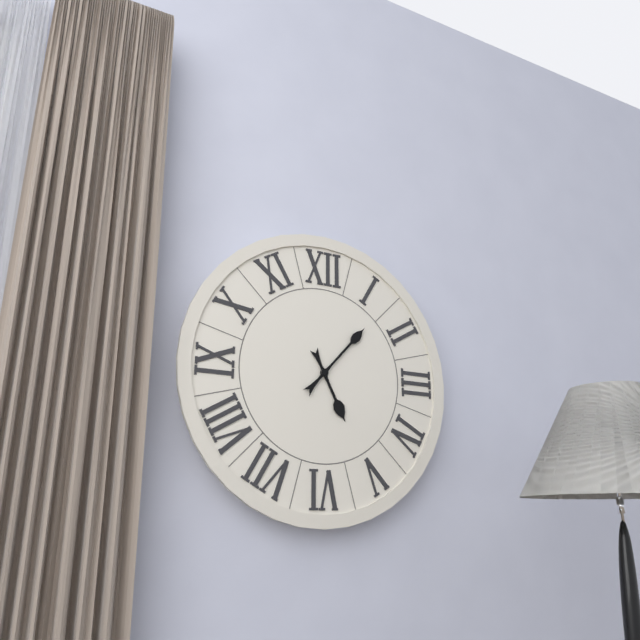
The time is 5:07
